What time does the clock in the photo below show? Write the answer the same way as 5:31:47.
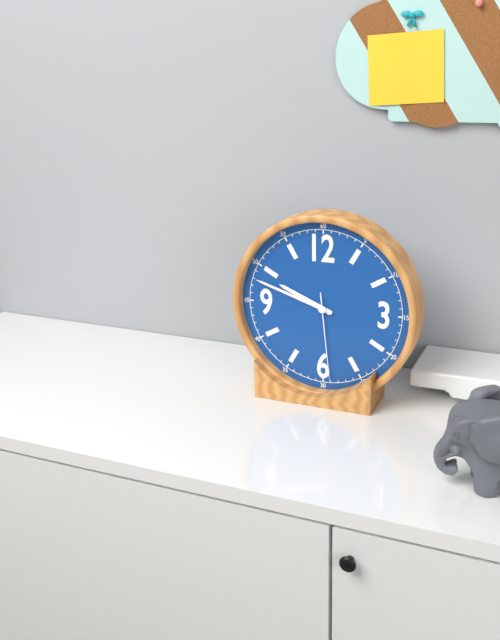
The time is 9:48:29
